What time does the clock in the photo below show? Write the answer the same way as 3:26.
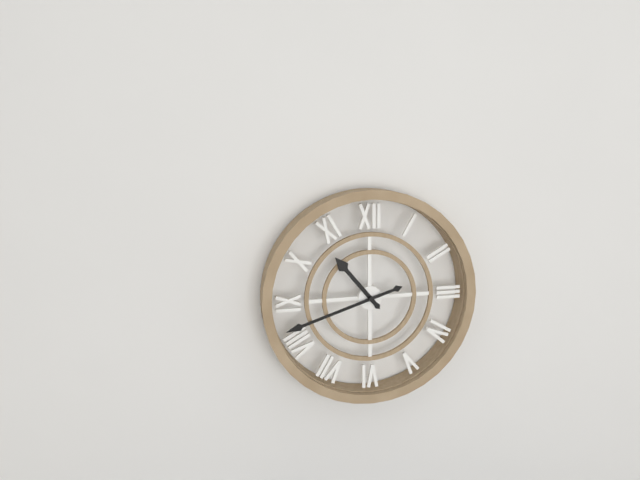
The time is 10:42
